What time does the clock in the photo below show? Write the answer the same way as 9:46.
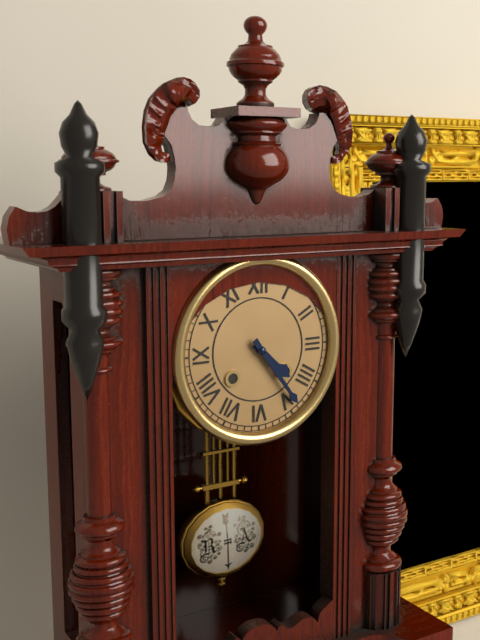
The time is 4:24
